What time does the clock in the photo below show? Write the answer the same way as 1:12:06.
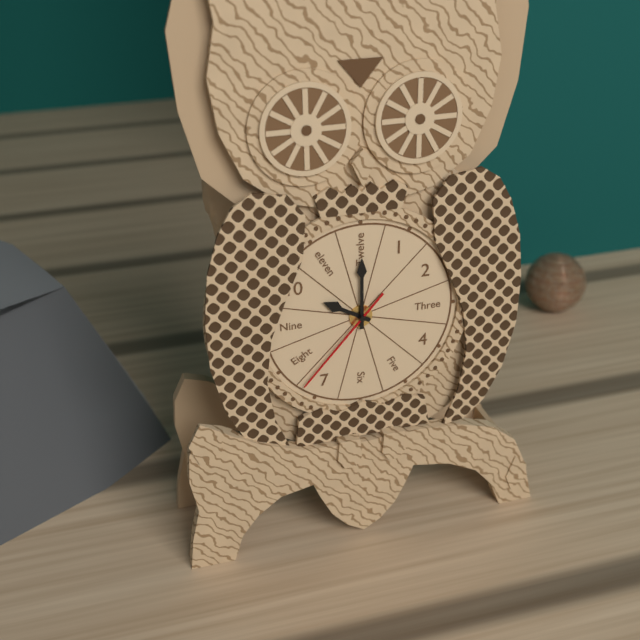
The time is 10:00:37
